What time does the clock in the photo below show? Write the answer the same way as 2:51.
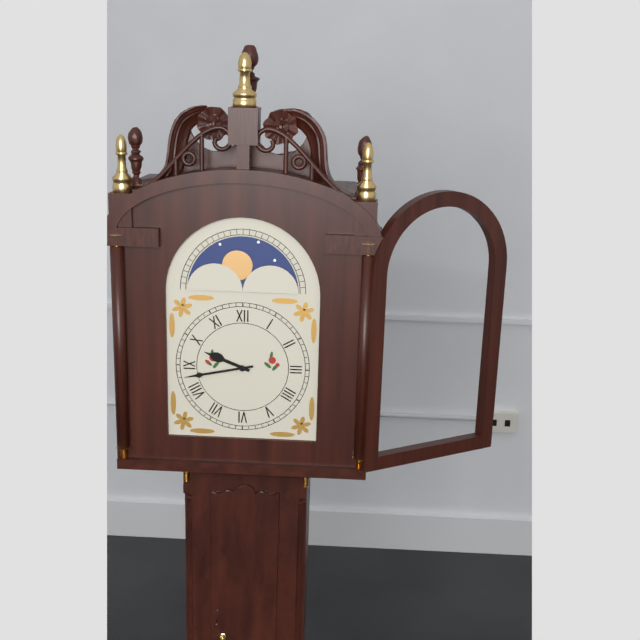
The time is 9:43
